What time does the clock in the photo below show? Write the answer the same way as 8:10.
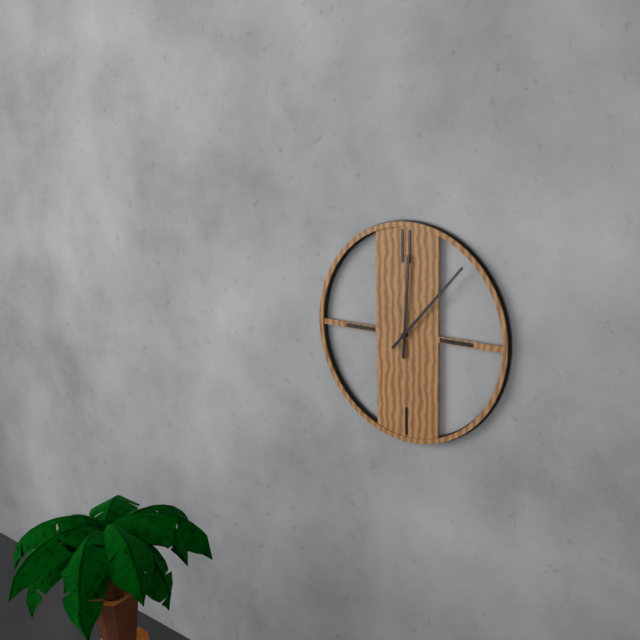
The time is 12:07
